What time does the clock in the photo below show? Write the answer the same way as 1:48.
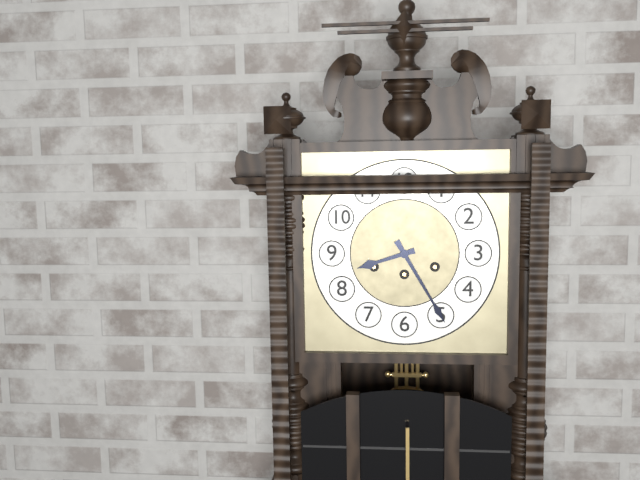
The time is 8:25
